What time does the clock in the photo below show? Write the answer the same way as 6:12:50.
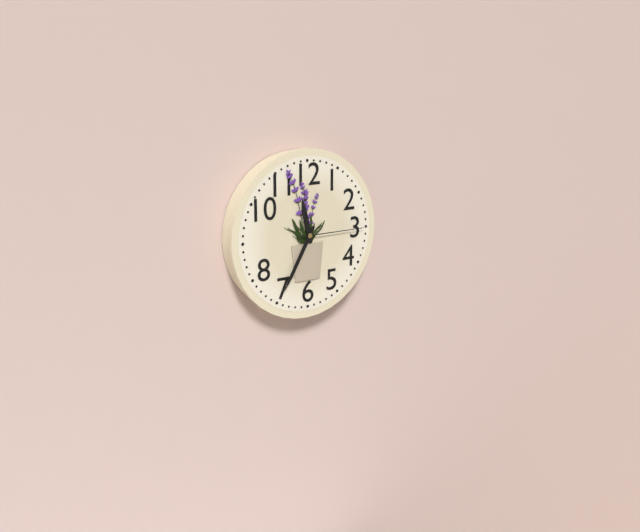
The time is 11:35:15
